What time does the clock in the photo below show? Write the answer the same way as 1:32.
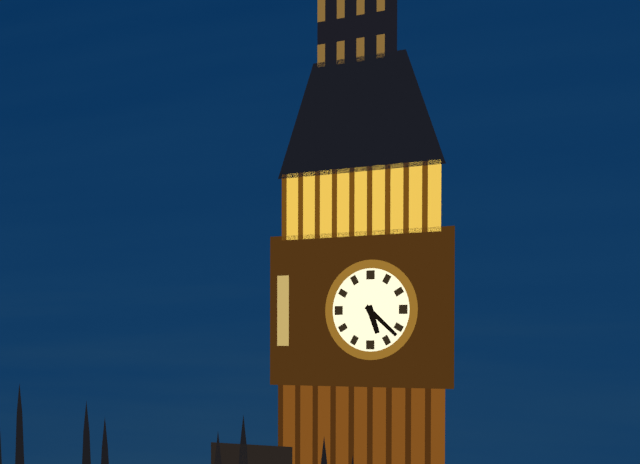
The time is 5:22
